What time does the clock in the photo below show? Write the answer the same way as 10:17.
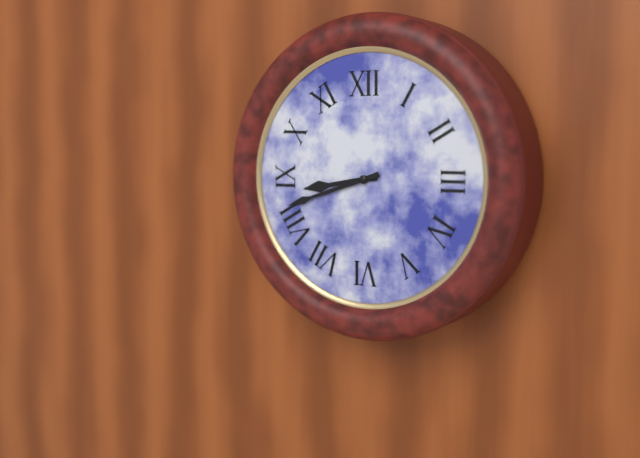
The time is 8:42
